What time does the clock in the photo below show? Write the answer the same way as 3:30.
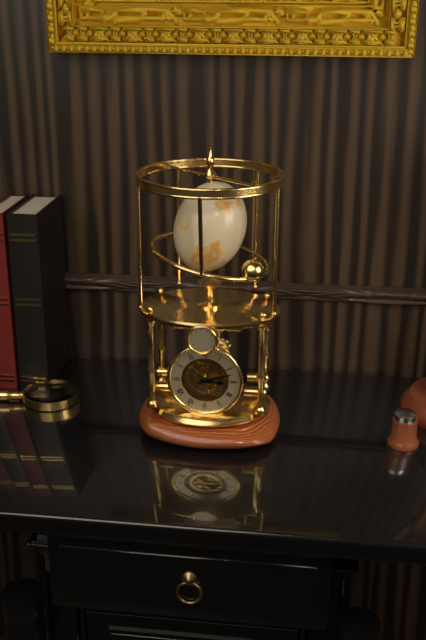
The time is 3:12
